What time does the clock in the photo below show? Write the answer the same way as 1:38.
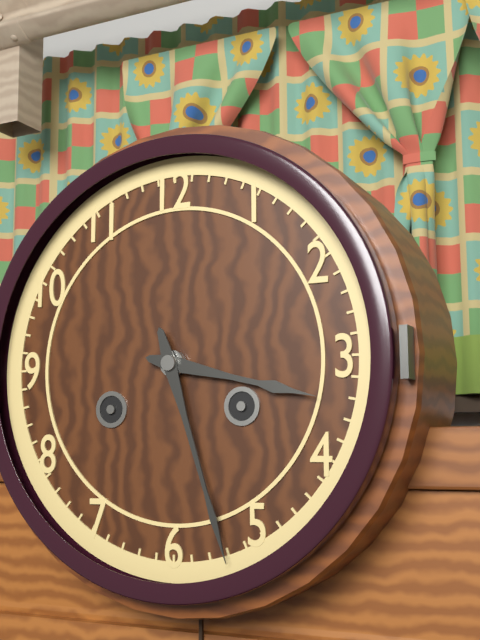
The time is 3:27
